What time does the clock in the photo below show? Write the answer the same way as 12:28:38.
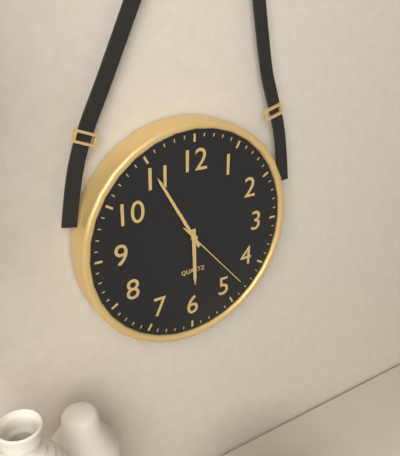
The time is 5:55:23
